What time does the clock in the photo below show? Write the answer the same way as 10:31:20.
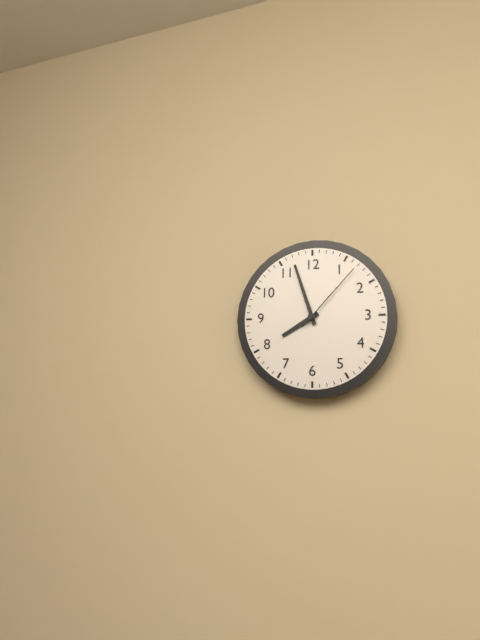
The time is 7:57:07
